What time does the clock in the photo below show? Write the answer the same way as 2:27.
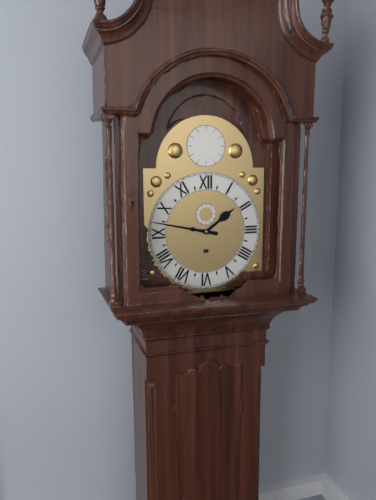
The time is 1:47
